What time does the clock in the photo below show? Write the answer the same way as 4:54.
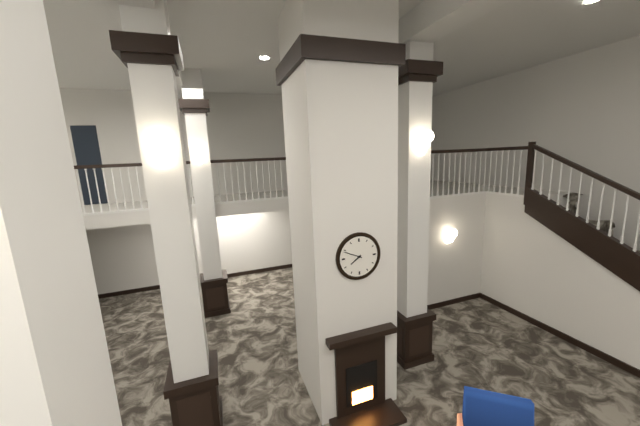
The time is 7:49
